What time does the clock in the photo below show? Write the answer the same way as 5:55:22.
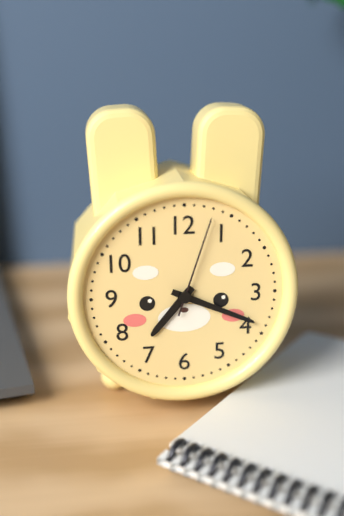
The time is 7:19:03
